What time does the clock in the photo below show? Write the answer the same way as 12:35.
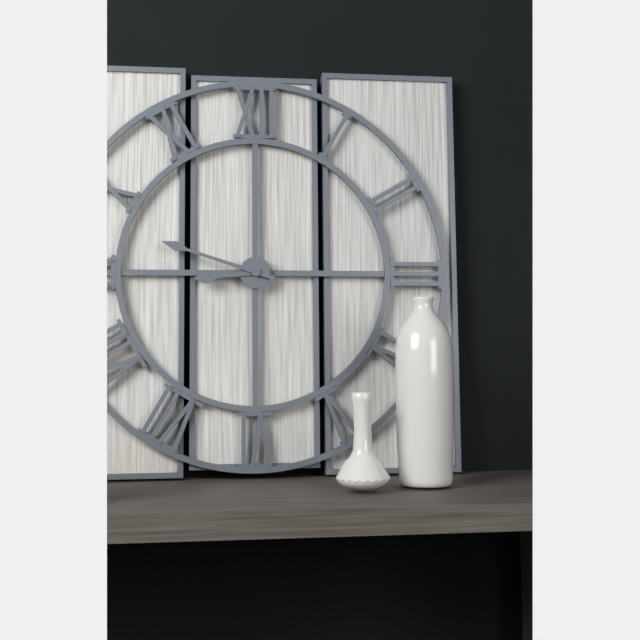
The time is 8:48
